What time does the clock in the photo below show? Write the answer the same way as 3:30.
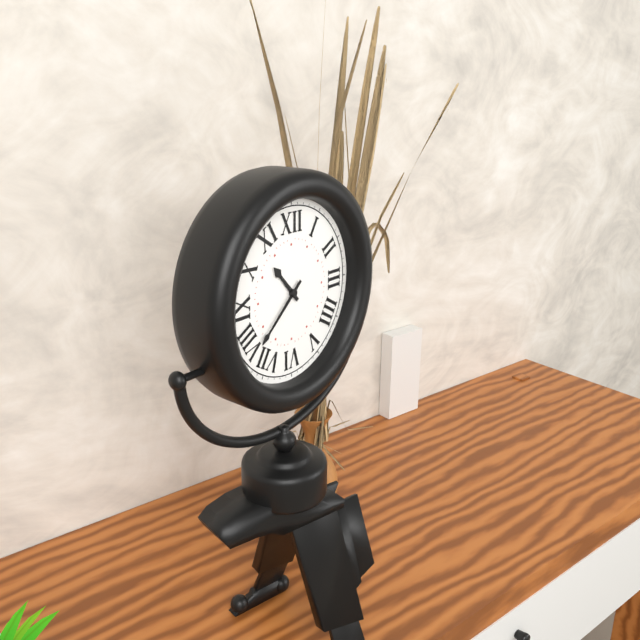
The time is 10:38
